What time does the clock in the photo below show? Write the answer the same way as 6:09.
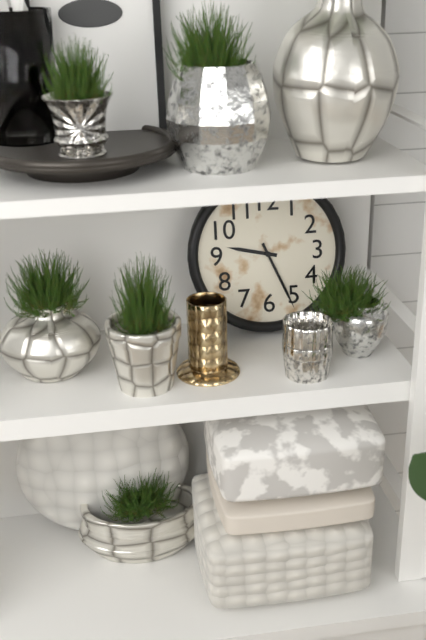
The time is 9:26
